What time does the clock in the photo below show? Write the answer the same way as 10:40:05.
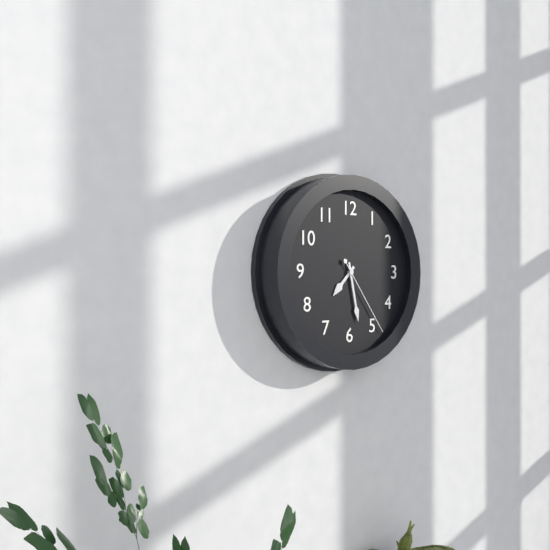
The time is 7:28:24
